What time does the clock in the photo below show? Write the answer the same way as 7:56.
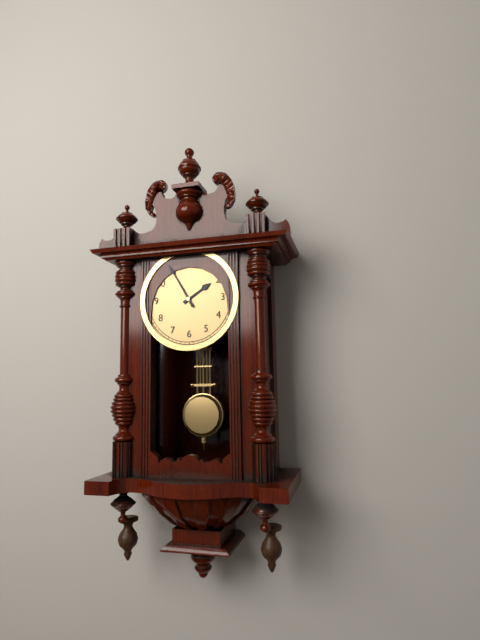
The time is 1:55
